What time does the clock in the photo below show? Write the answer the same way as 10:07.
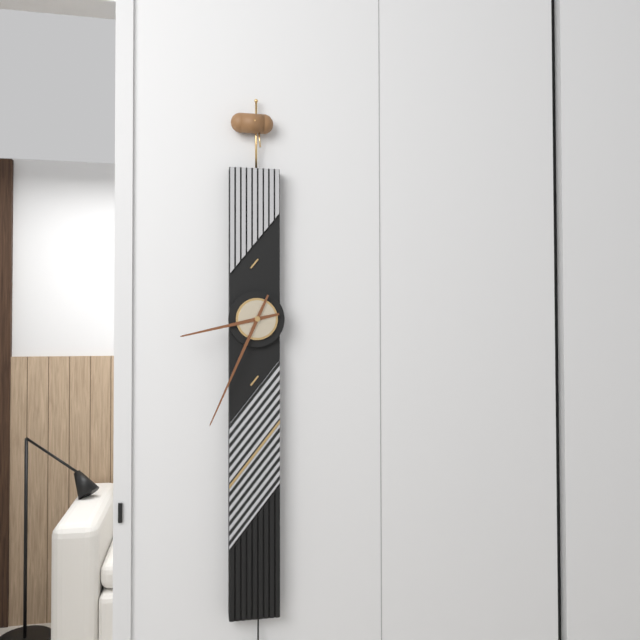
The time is 8:34
